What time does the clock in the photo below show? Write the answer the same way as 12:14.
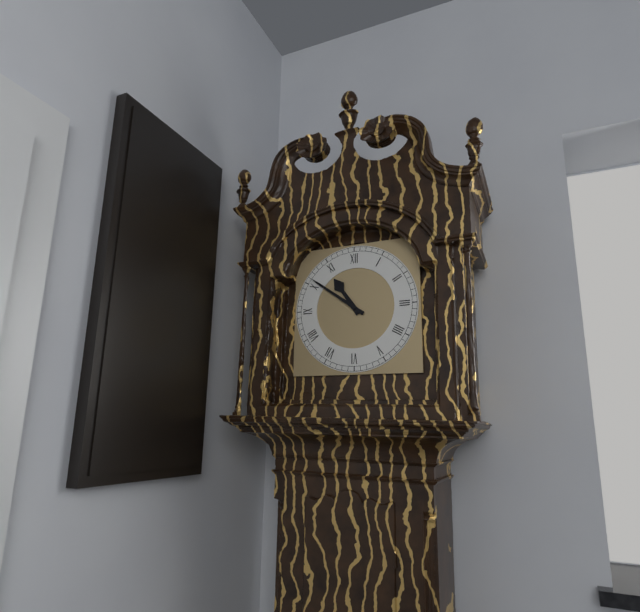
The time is 10:51
